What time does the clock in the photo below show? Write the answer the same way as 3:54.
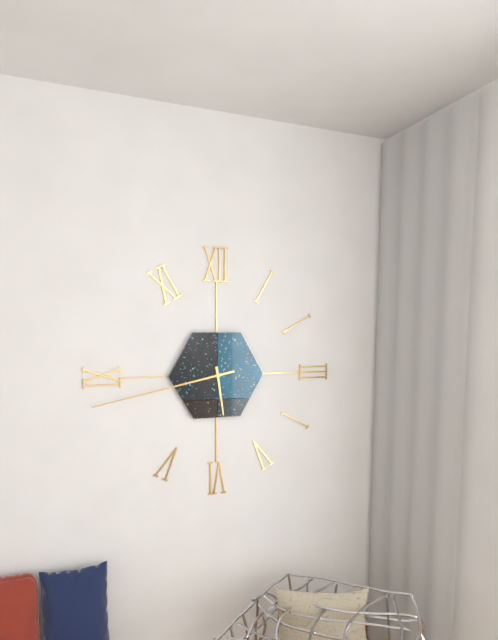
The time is 5:43
